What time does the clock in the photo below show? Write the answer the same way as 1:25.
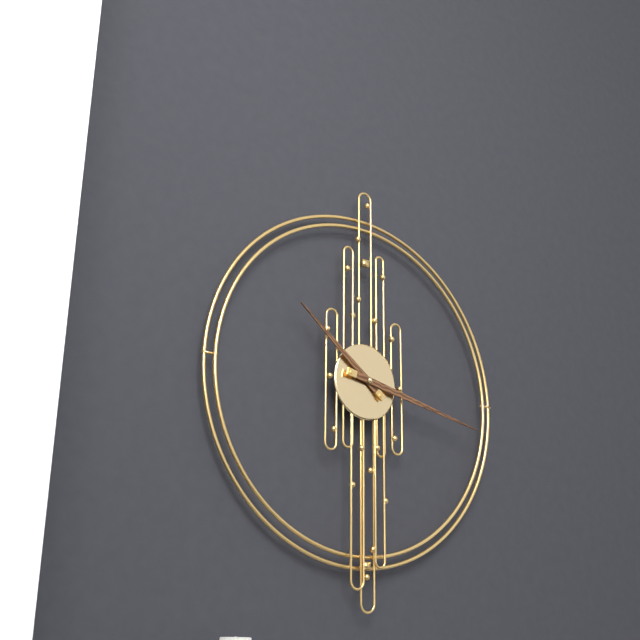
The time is 10:17
